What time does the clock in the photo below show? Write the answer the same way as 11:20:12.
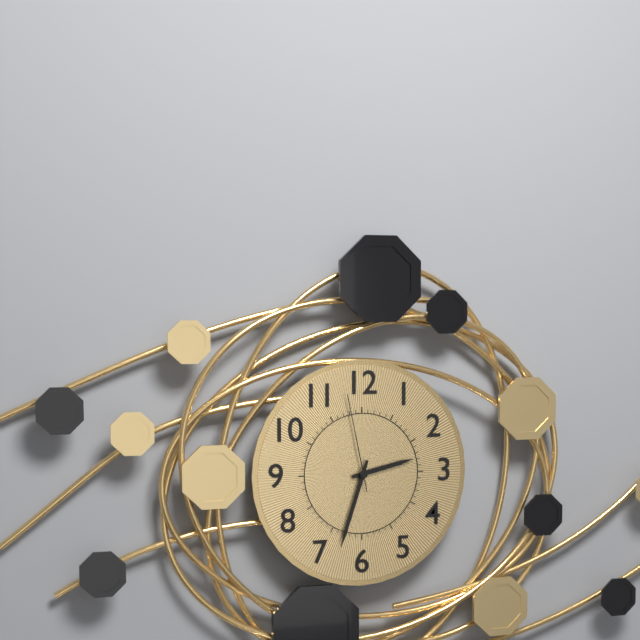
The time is 2:33:58
